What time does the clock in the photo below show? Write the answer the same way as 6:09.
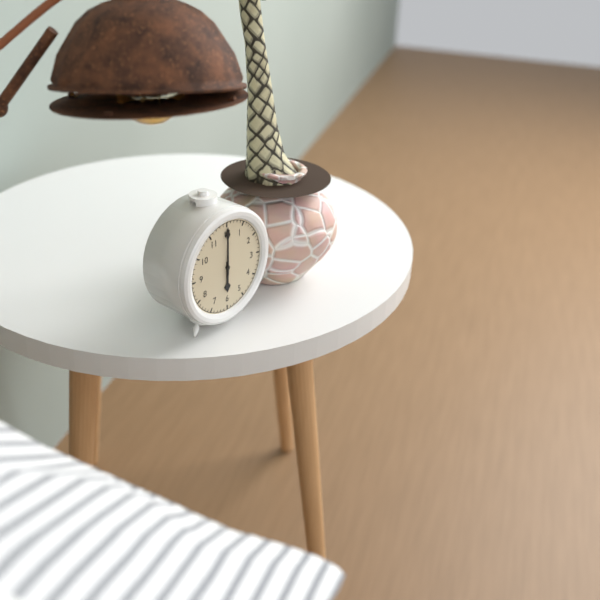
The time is 6:00
